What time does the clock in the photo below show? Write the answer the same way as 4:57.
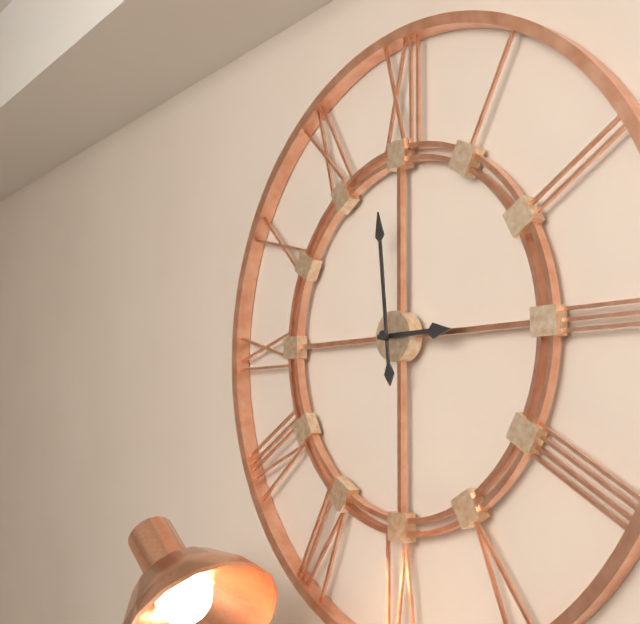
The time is 2:59
